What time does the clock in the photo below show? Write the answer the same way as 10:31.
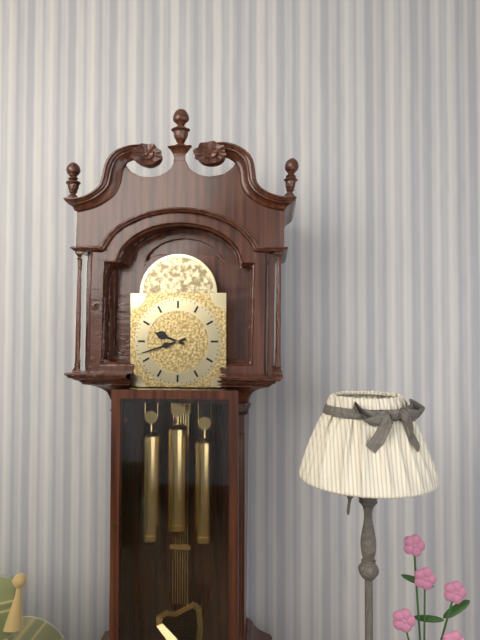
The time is 9:42
